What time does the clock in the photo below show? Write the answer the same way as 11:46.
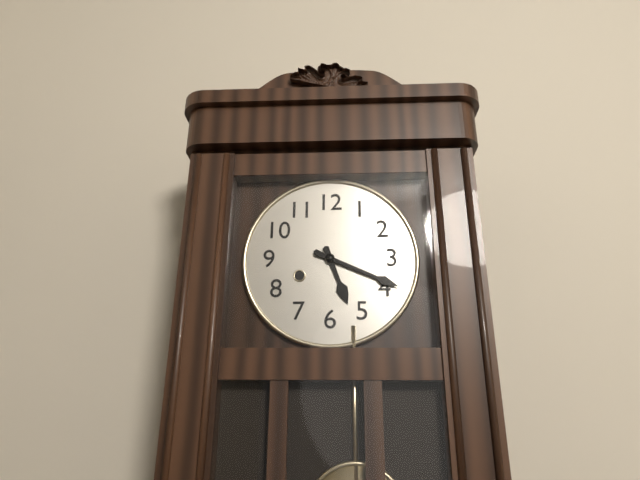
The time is 5:19
